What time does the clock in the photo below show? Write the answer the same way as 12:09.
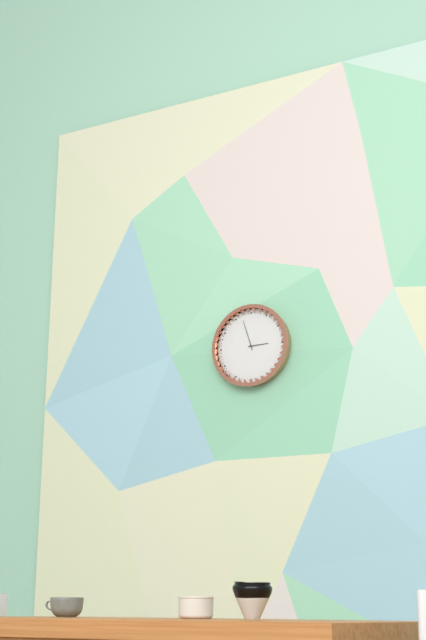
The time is 2:57
